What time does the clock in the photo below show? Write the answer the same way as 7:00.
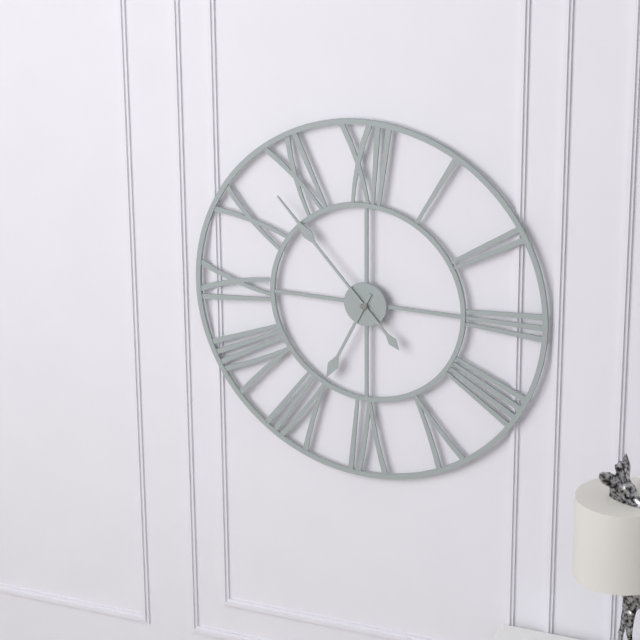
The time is 6:53
